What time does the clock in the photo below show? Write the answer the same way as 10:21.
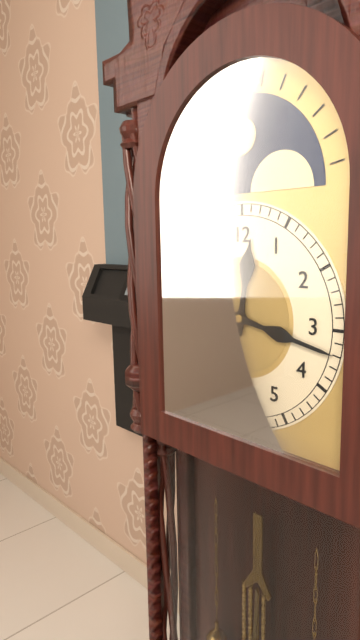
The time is 12:17
